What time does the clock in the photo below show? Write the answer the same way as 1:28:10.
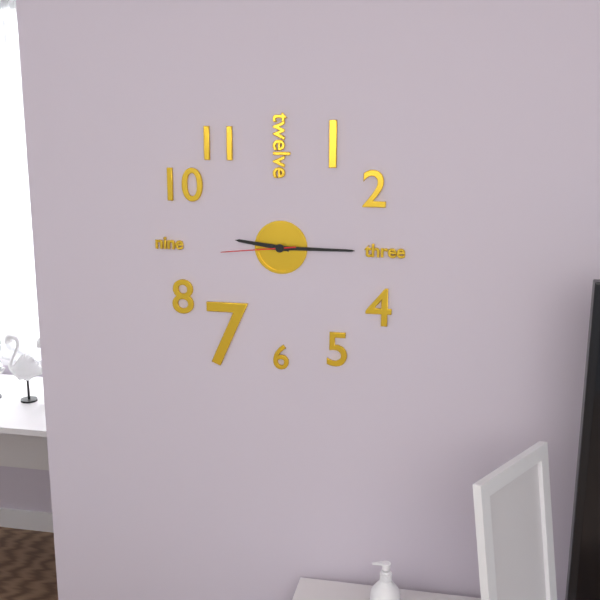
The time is 9:15:44
